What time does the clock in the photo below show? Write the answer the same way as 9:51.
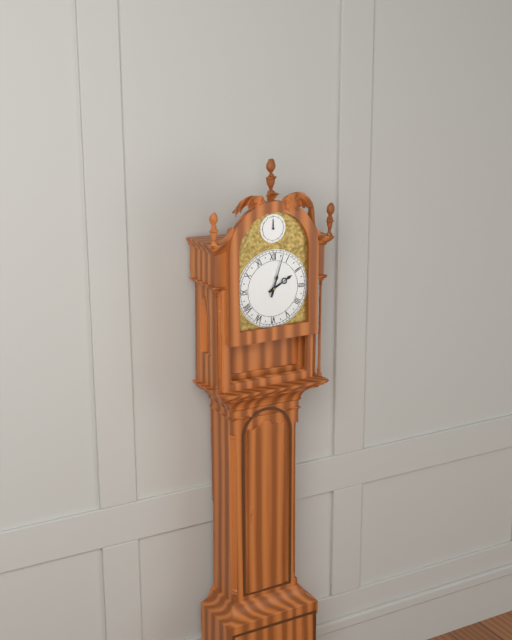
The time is 2:03
